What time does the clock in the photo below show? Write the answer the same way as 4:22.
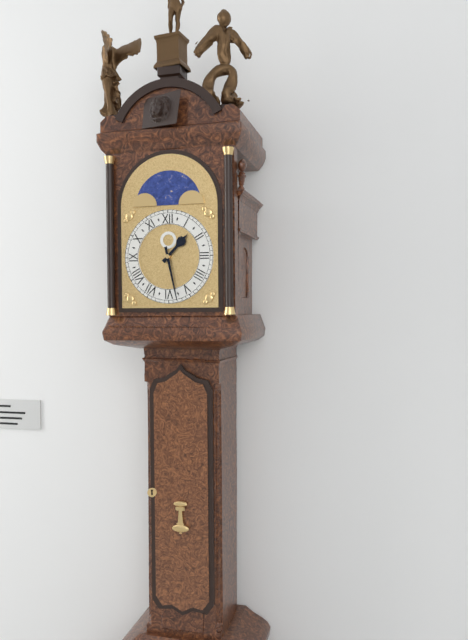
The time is 1:28
